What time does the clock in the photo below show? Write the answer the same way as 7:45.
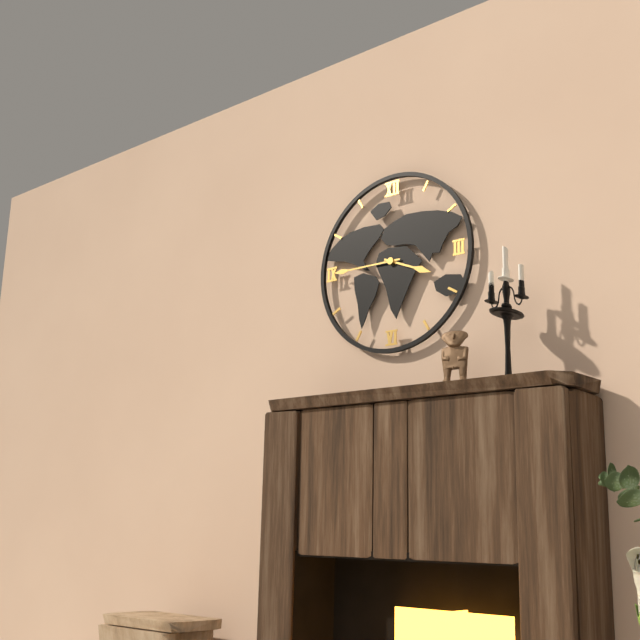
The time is 3:45
